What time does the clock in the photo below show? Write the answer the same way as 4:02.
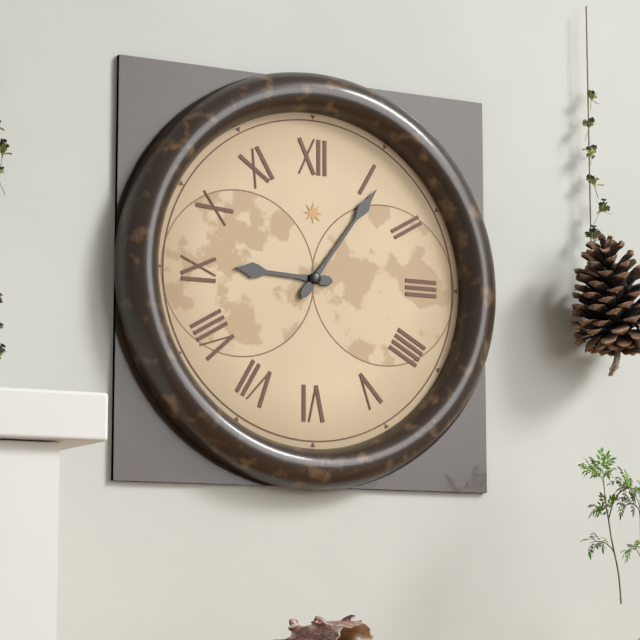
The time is 9:06
